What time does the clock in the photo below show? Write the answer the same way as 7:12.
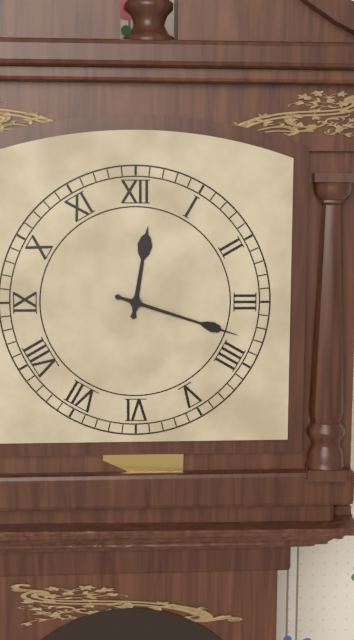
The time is 12:18
